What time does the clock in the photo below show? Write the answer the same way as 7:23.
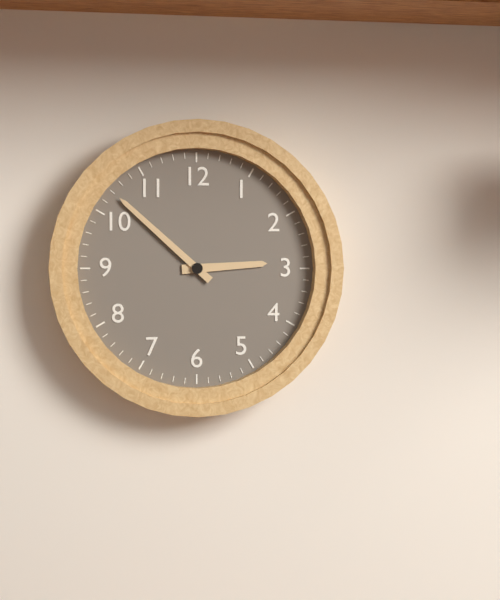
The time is 2:52
